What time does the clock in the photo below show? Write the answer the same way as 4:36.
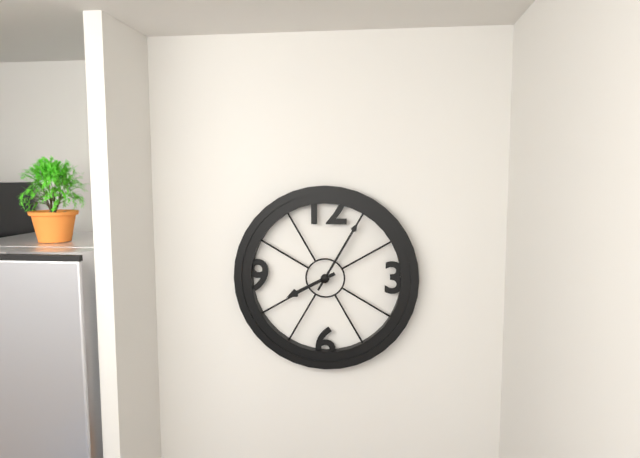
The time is 8:05
